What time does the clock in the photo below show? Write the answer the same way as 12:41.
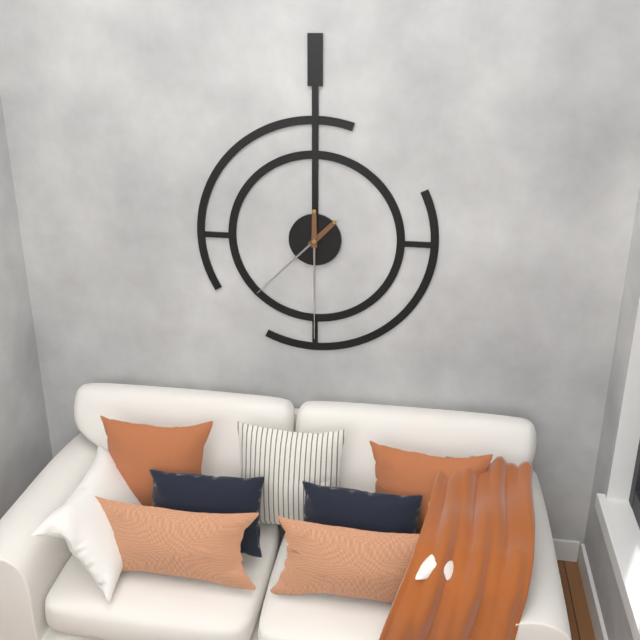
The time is 7:30
